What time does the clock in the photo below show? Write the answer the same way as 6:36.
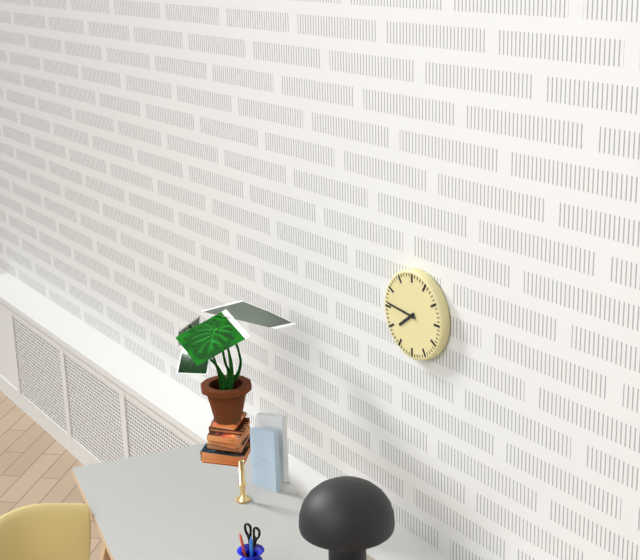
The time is 7:46
